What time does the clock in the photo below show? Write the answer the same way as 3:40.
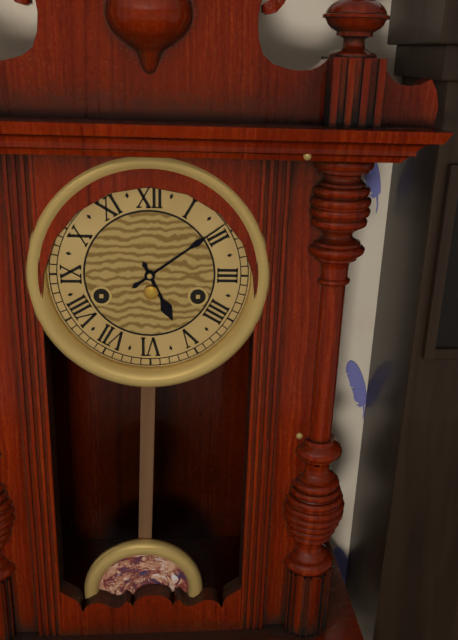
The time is 5:09
